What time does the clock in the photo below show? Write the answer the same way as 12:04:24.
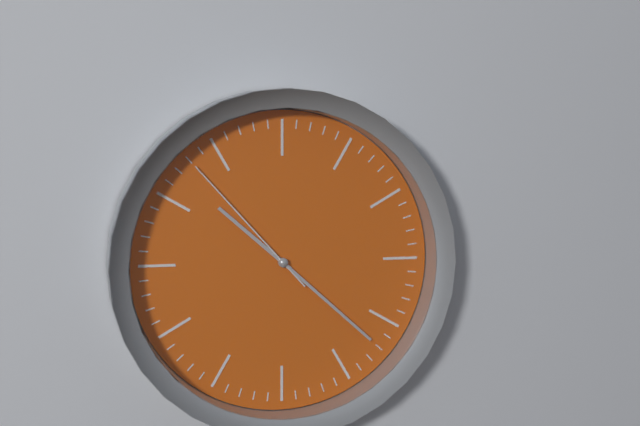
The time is 10:22:53
